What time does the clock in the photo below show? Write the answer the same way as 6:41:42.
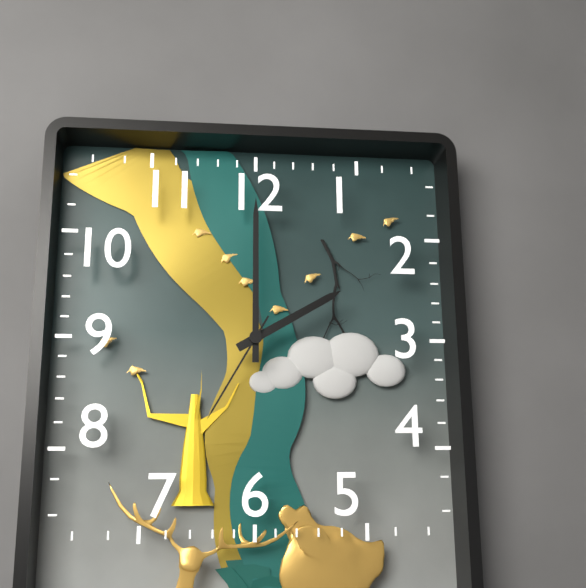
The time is 2:00:35
